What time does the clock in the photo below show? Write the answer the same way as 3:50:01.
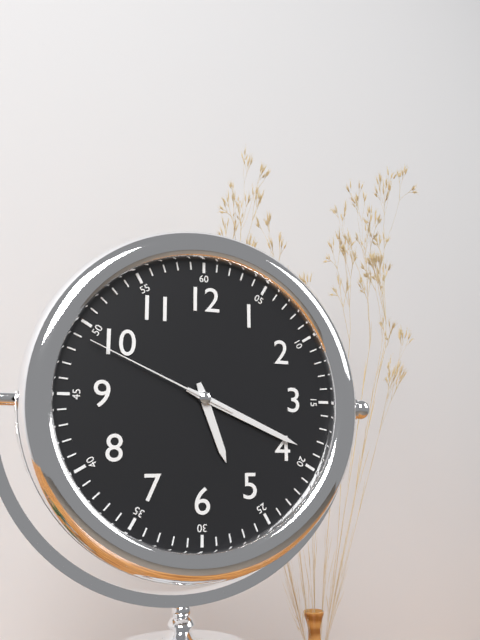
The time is 5:19:49
